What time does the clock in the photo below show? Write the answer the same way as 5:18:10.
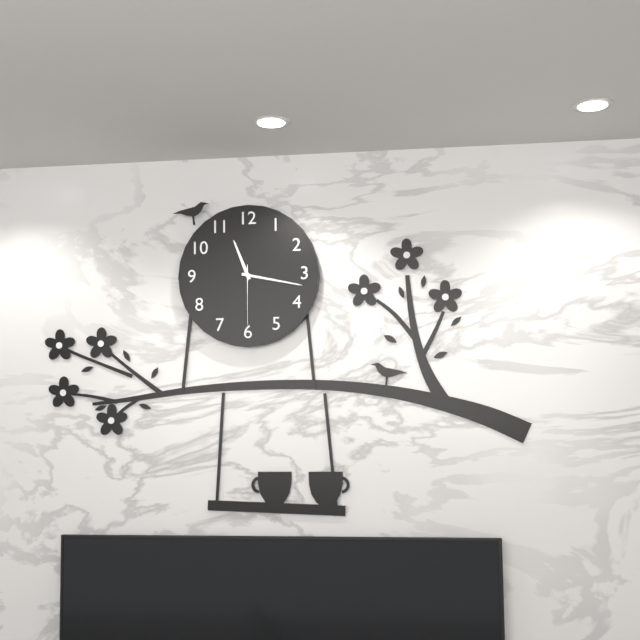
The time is 11:17:30
